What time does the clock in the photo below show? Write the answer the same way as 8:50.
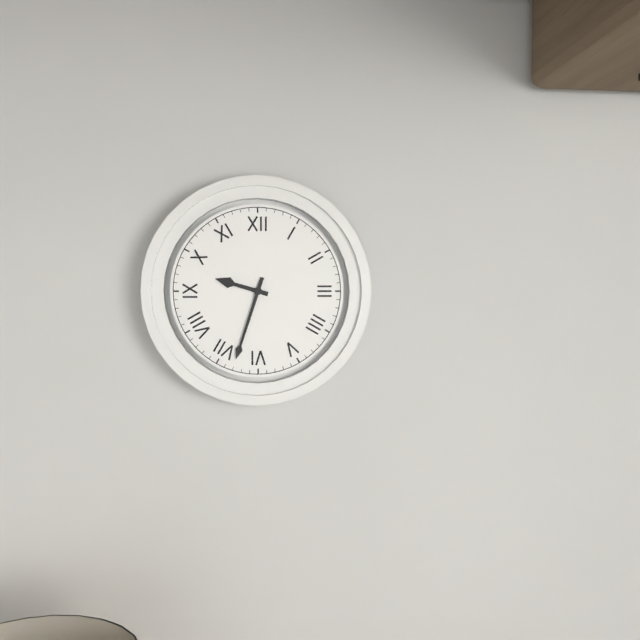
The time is 9:33
